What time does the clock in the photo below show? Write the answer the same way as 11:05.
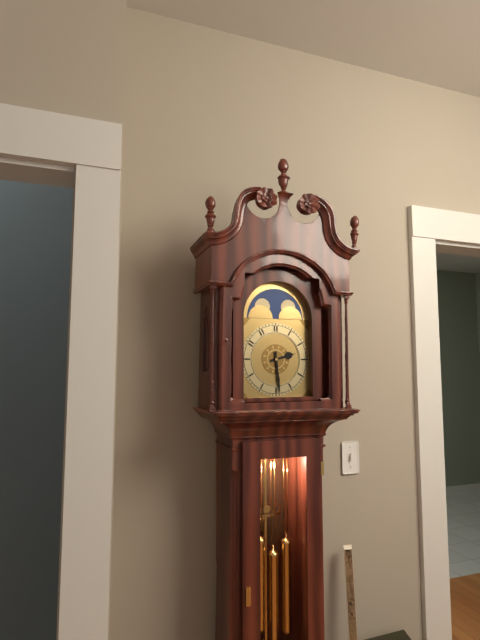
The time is 2:29
